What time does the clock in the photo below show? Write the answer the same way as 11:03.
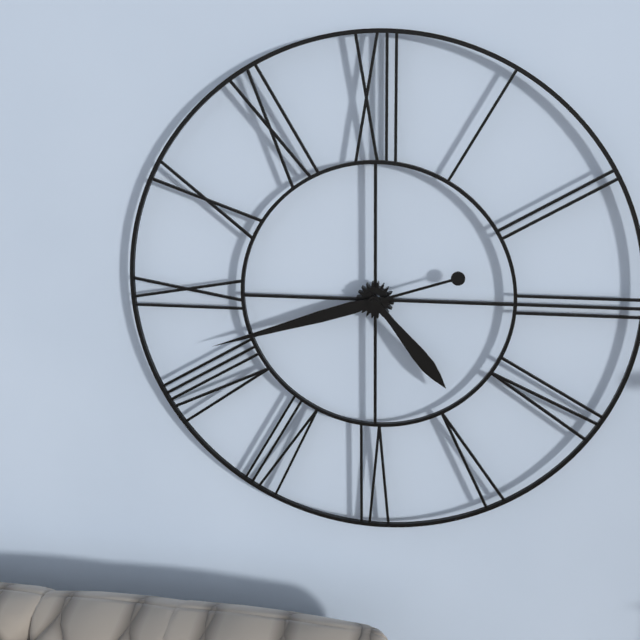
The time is 4:42
